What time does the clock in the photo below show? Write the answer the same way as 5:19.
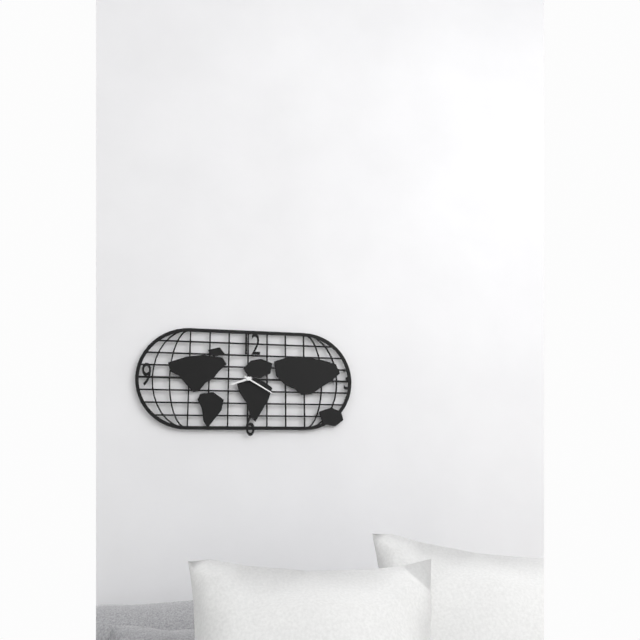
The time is 8:20
